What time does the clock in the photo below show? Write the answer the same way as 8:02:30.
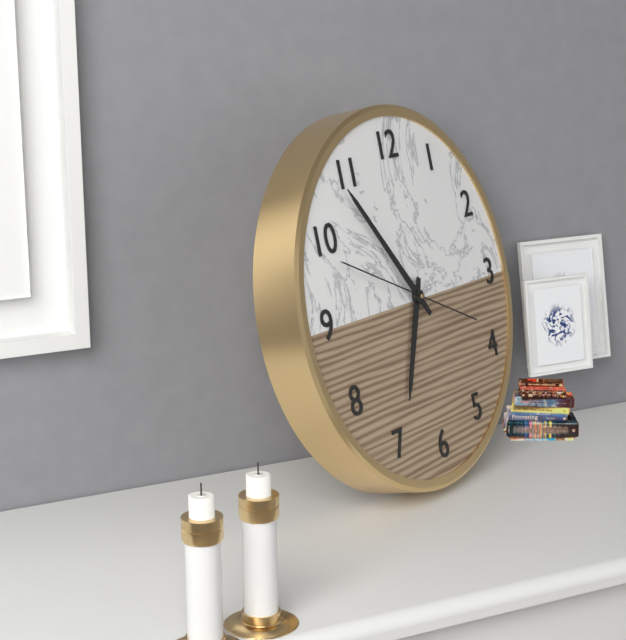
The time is 6:54:49
